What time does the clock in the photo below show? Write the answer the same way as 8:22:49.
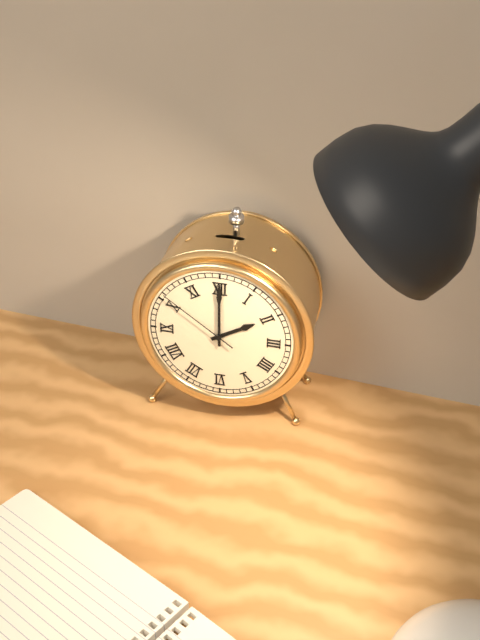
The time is 2:00:51
